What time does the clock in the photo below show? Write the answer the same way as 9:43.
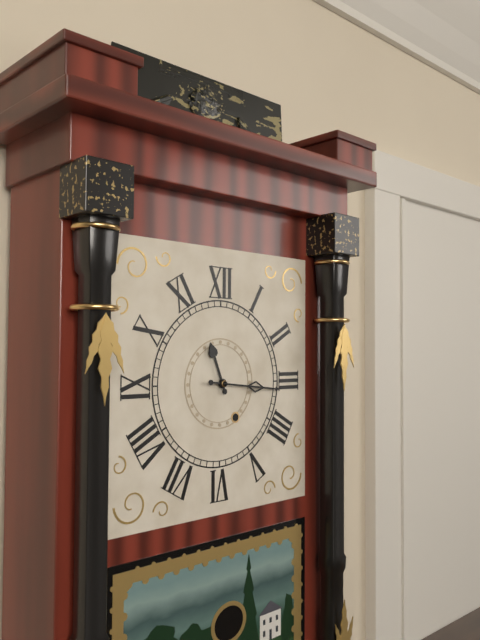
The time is 11:16
